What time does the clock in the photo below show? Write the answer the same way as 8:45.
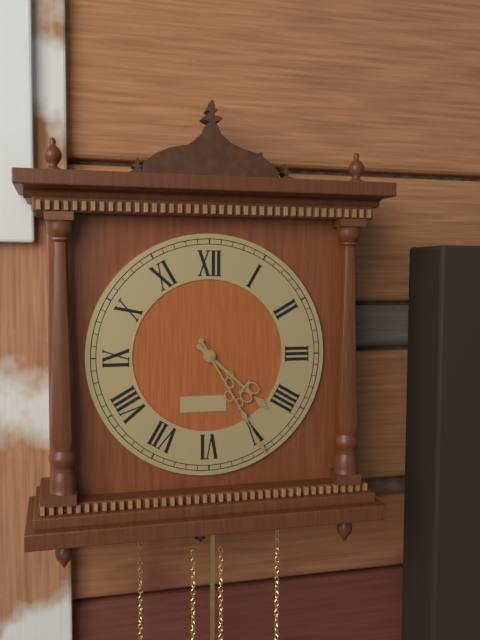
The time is 4:25
